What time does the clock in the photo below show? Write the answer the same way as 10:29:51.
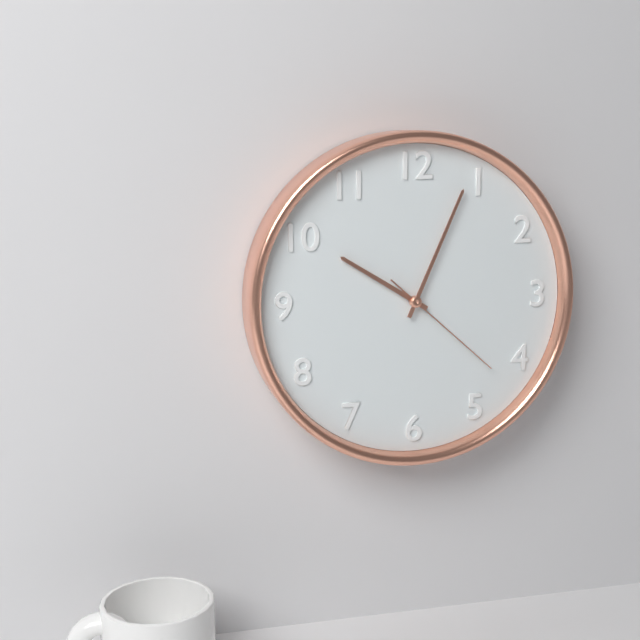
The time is 10:04:22
